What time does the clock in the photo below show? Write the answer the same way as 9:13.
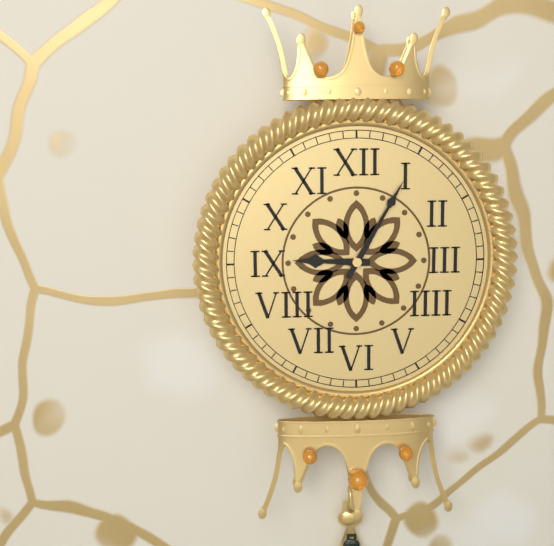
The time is 9:05
